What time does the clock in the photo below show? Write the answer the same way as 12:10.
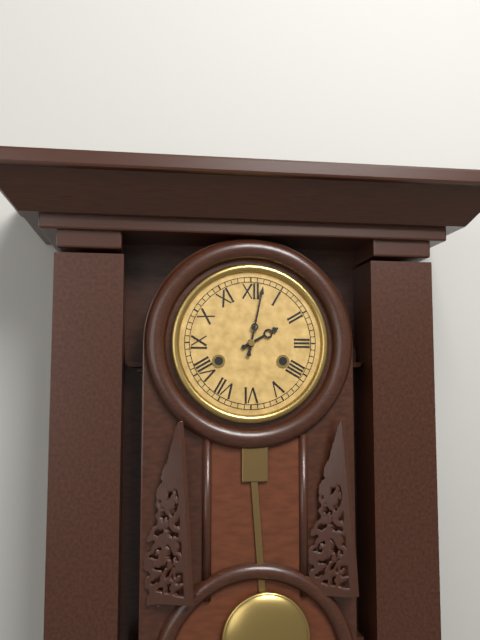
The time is 2:02
